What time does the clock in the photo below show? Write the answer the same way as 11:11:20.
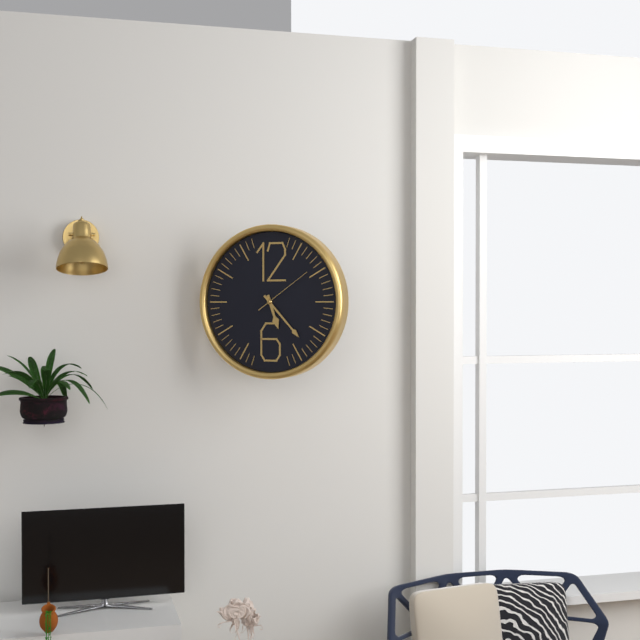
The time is 5:23:09
